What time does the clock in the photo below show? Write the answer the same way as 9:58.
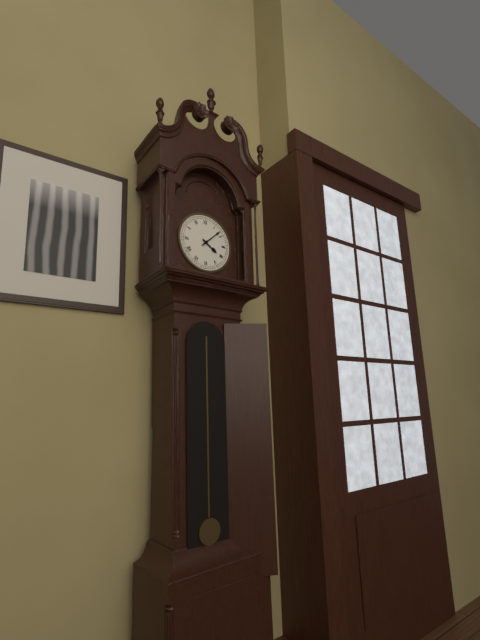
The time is 4:08
